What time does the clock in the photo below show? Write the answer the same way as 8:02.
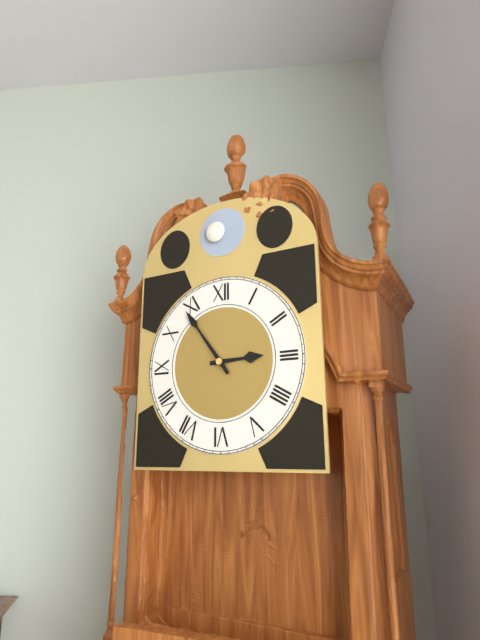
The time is 2:54
